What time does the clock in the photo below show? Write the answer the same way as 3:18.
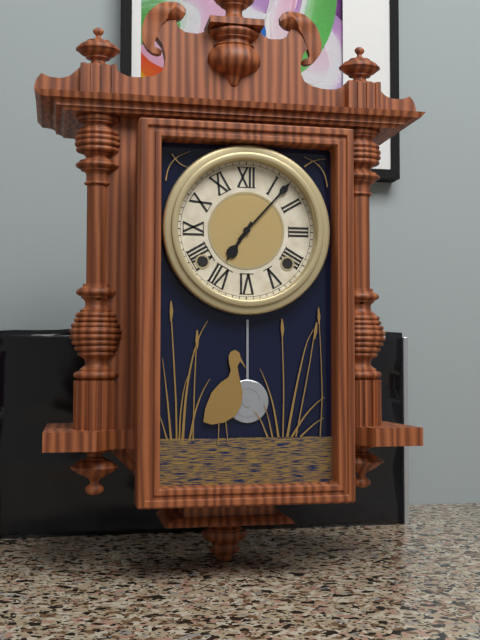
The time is 7:07
